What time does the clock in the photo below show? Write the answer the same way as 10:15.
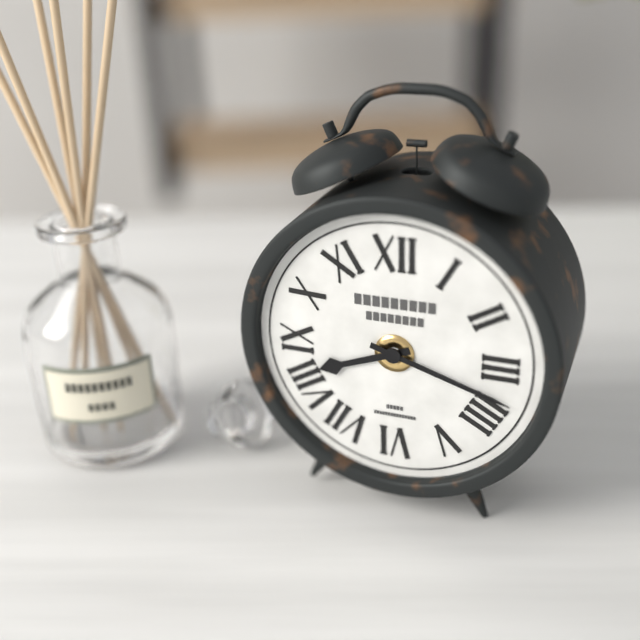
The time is 8:18
